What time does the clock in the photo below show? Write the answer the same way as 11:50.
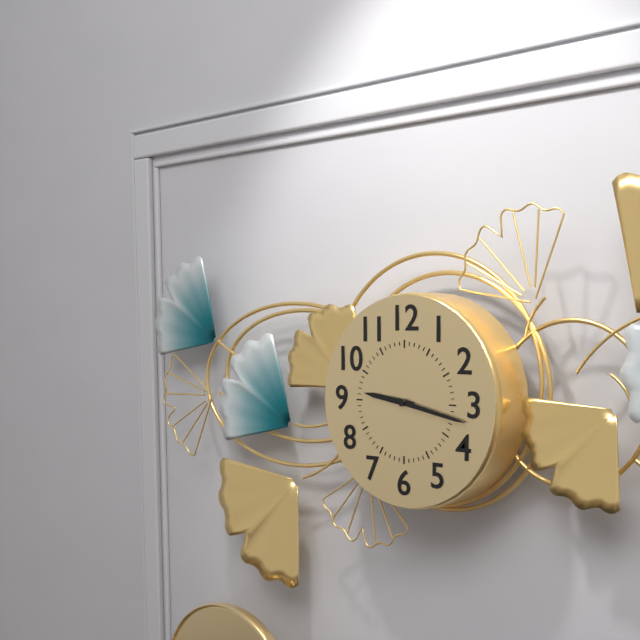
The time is 9:17
